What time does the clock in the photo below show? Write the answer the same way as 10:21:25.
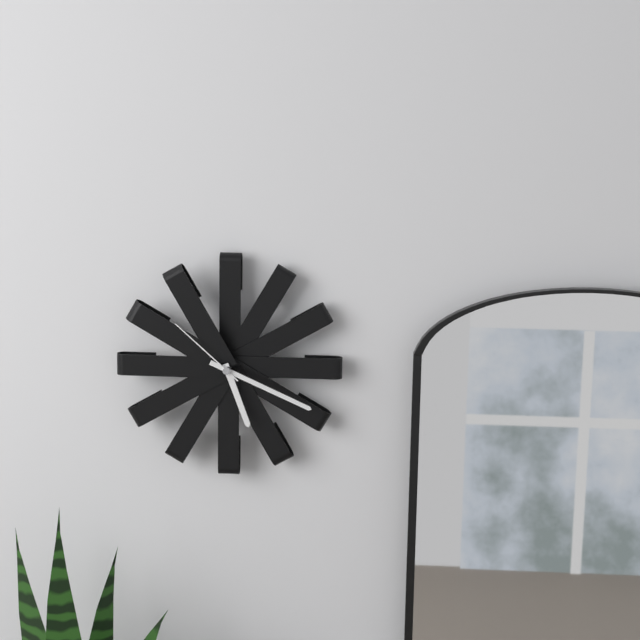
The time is 5:19:52
